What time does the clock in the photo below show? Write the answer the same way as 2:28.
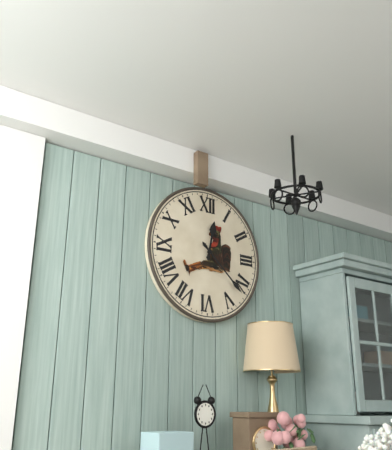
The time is 12:22
